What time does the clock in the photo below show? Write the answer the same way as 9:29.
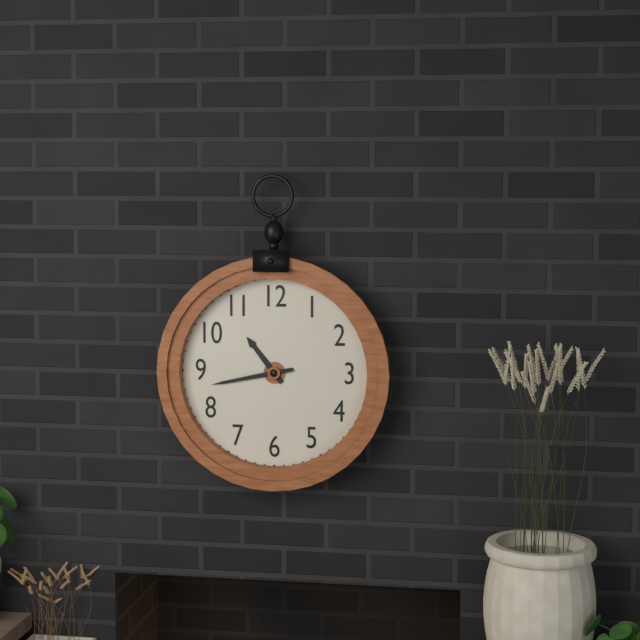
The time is 10:43
